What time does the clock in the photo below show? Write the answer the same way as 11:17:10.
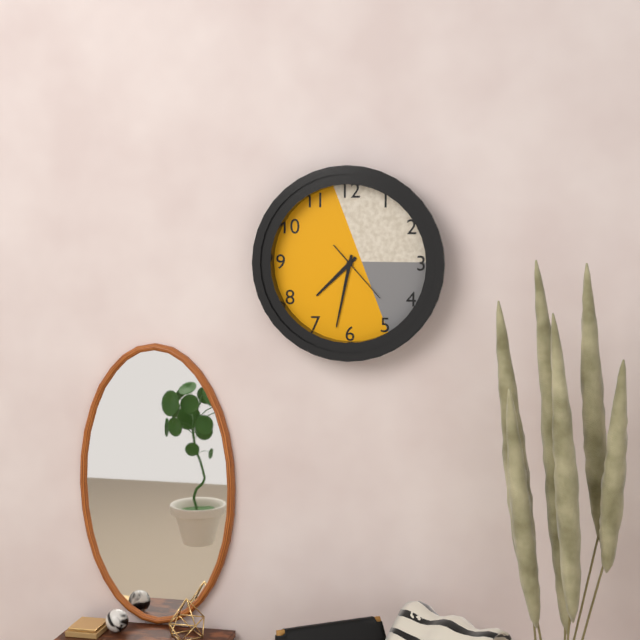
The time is 7:32:23
